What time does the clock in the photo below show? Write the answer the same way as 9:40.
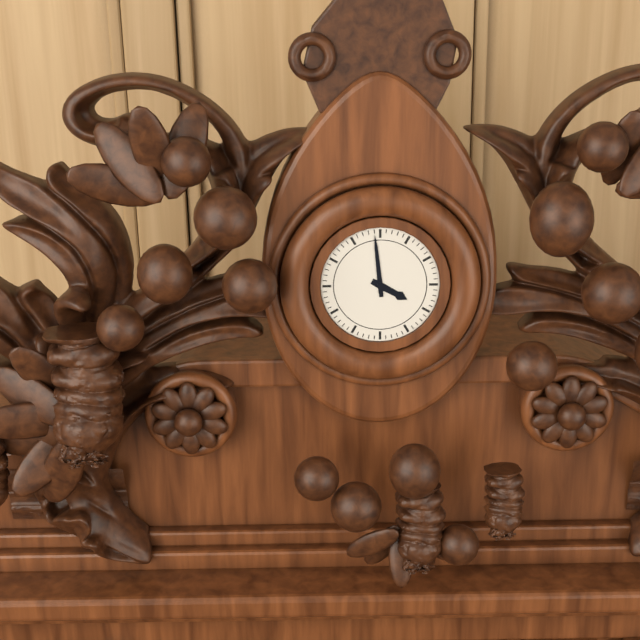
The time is 3:59
